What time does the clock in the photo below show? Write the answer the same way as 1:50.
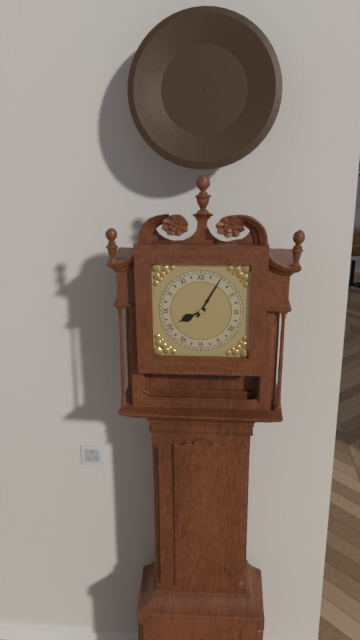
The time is 8:05
